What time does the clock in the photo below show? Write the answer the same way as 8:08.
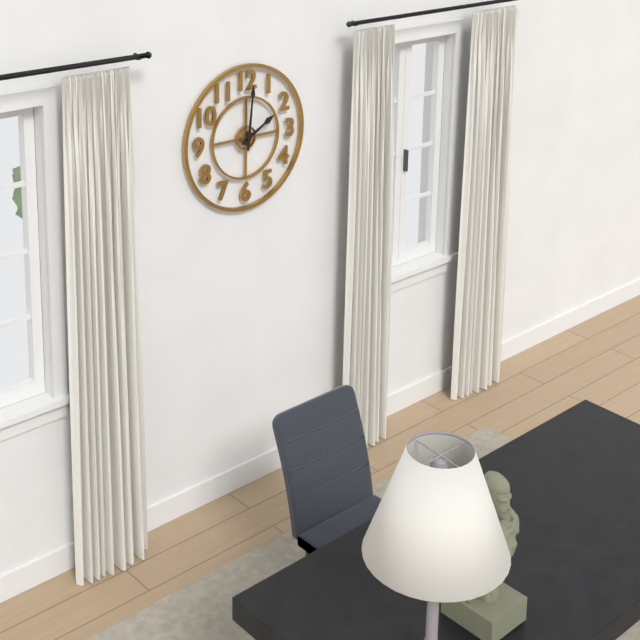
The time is 2:01
